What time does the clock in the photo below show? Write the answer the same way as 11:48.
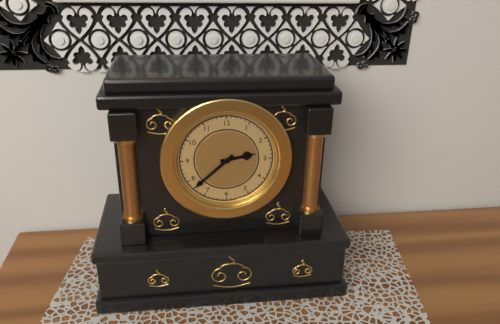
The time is 2:38
